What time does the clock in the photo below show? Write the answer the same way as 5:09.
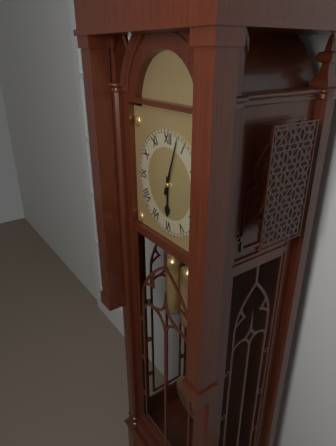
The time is 6:03
